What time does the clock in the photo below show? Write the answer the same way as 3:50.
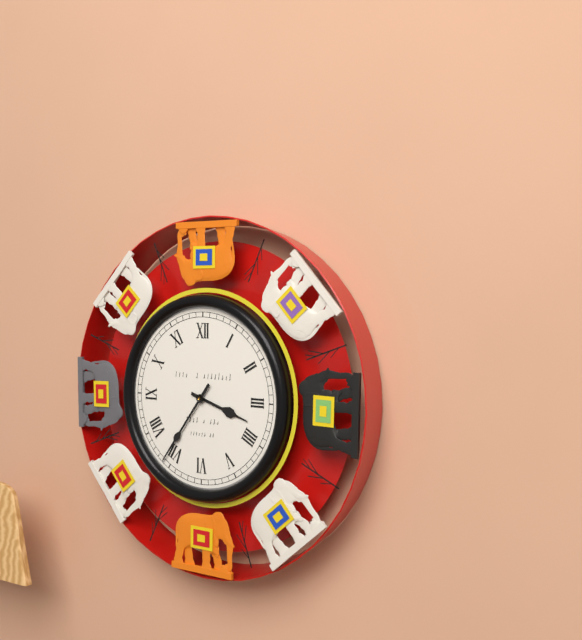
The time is 3:36
